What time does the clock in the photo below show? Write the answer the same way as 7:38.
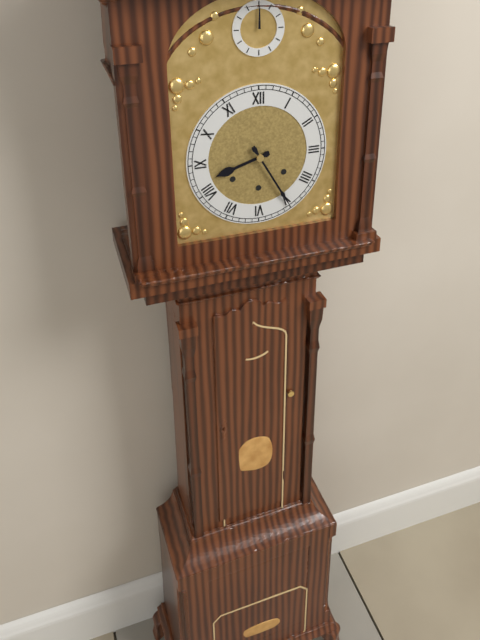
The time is 8:25
